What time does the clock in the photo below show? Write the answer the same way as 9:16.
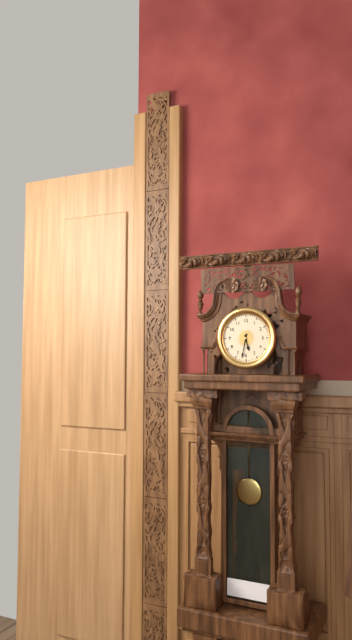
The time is 5:32
